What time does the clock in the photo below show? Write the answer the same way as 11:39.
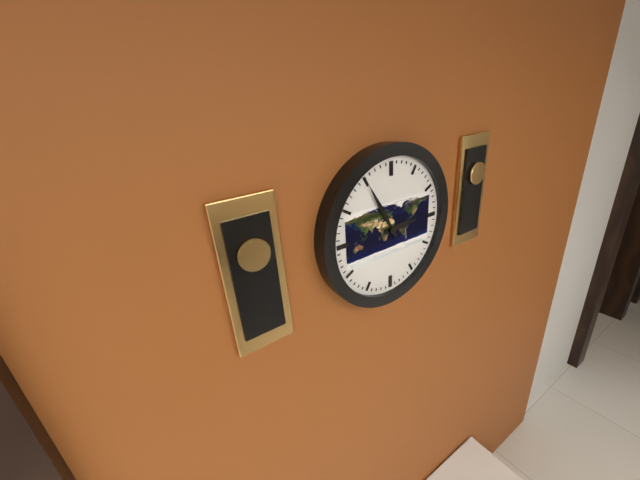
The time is 2:55
